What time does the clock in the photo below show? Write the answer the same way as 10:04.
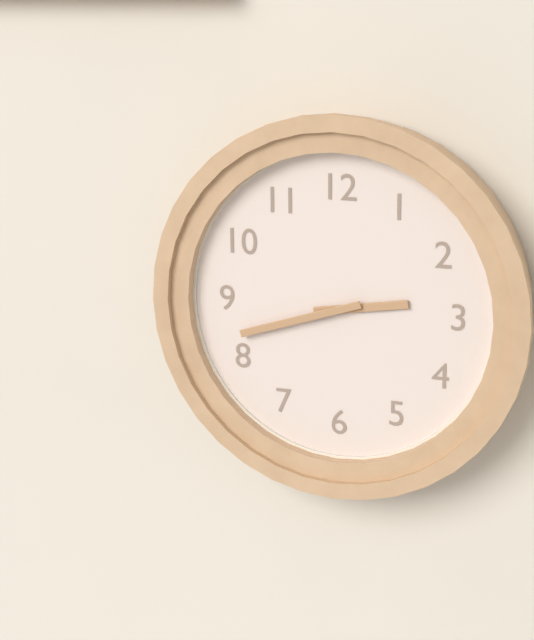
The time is 2:42
